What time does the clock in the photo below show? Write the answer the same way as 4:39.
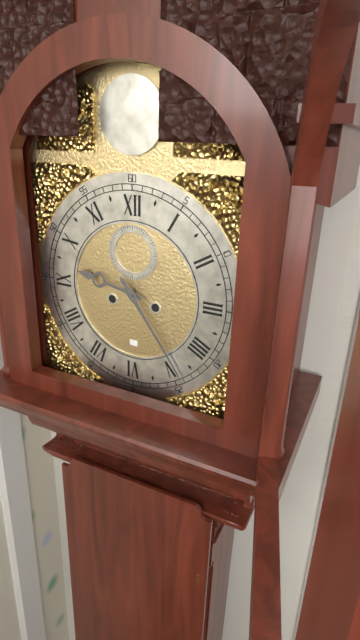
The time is 9:24
